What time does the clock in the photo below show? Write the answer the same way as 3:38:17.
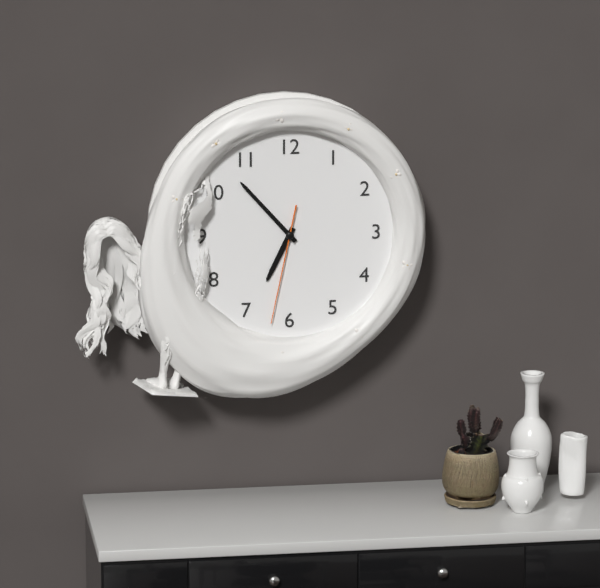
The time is 6:53:32
